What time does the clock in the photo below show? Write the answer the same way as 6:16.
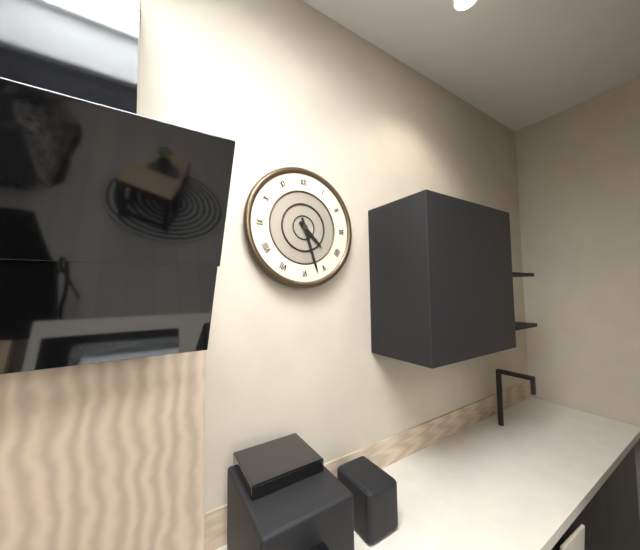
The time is 4:27
